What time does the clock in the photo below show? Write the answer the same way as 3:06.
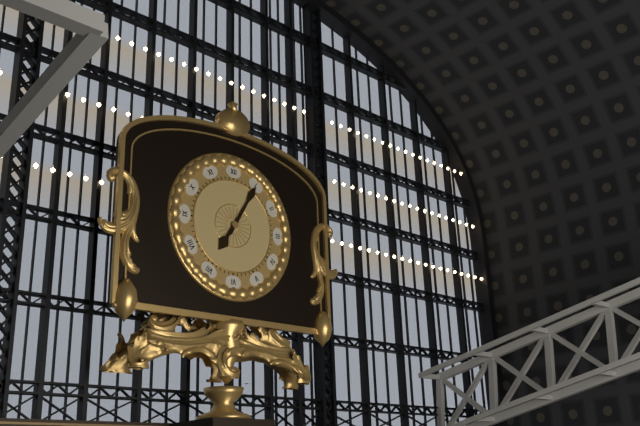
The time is 7:05
